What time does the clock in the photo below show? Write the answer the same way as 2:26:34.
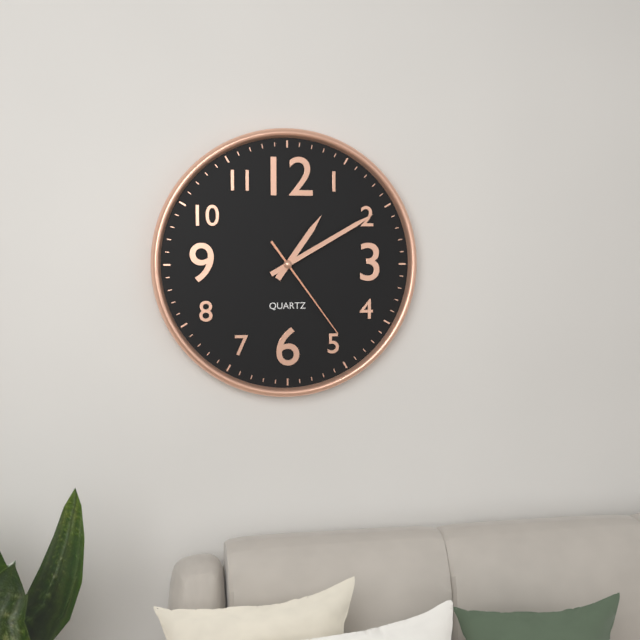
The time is 1:10:24
